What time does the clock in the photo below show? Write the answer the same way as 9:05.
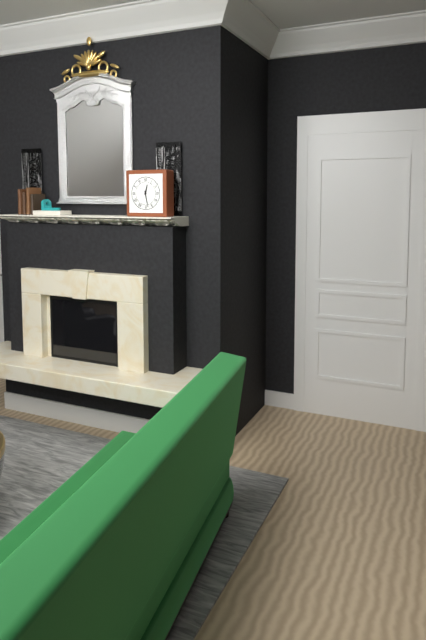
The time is 12:28
